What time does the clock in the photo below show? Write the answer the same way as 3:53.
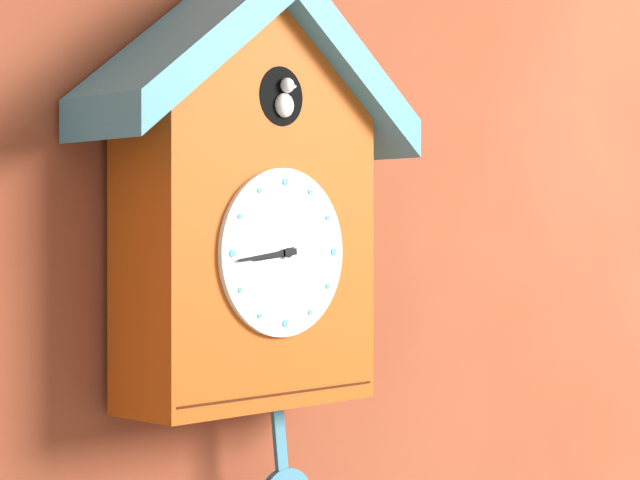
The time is 8:44
